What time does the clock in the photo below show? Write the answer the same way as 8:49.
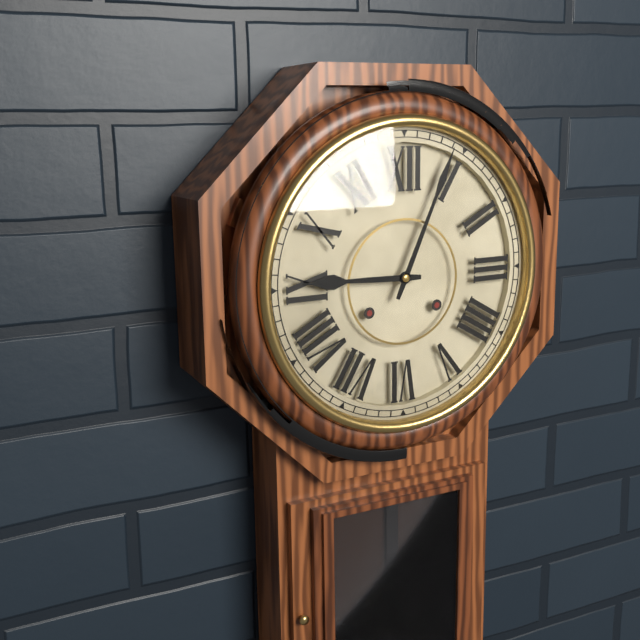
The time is 9:04
